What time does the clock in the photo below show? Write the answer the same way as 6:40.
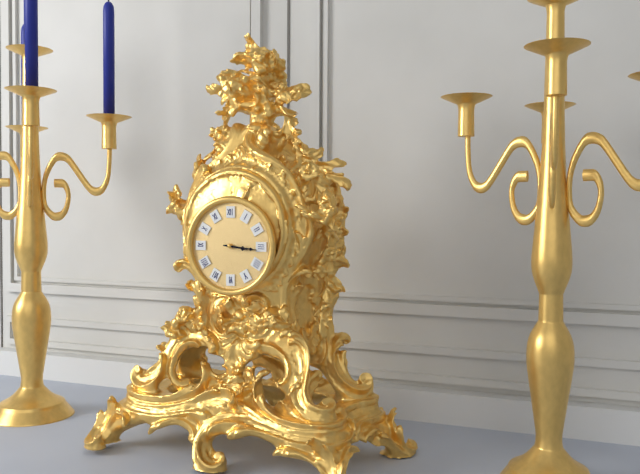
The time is 3:16
